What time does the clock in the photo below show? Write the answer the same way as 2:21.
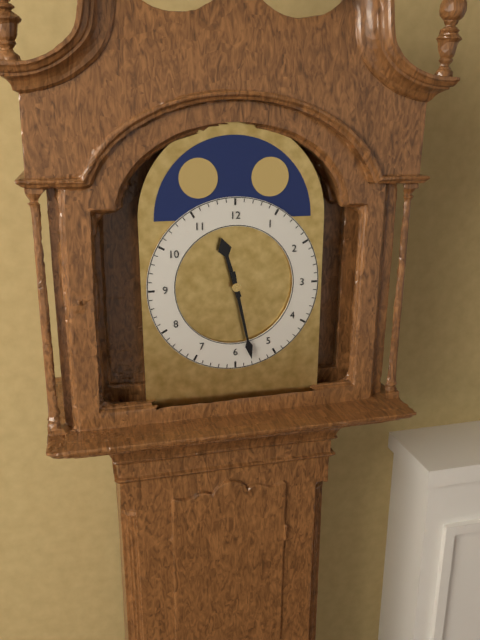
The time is 11:28
